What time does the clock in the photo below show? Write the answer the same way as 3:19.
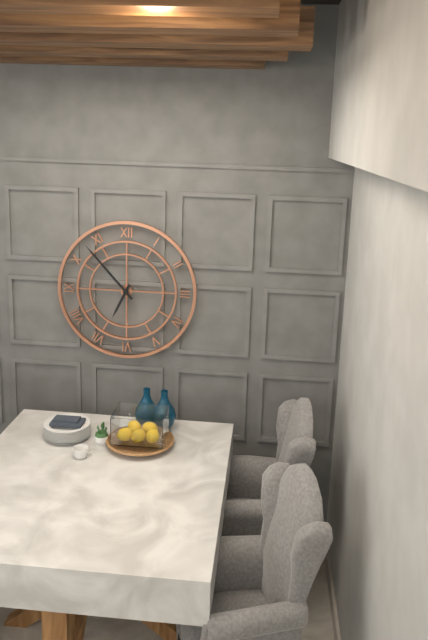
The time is 6:53
